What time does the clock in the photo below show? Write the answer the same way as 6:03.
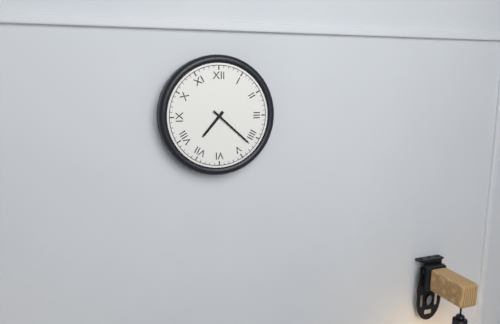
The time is 7:22
